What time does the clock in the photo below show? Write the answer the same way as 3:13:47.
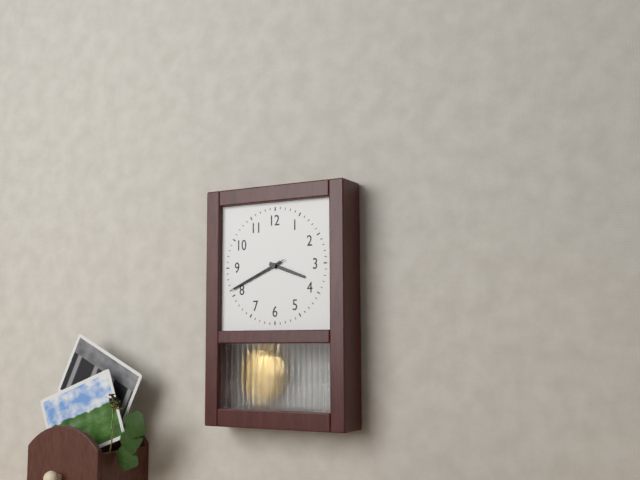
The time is 3:41:41
